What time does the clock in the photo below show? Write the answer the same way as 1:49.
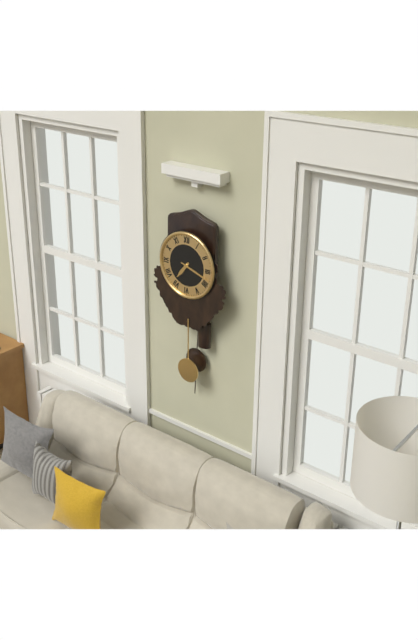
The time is 7:18
